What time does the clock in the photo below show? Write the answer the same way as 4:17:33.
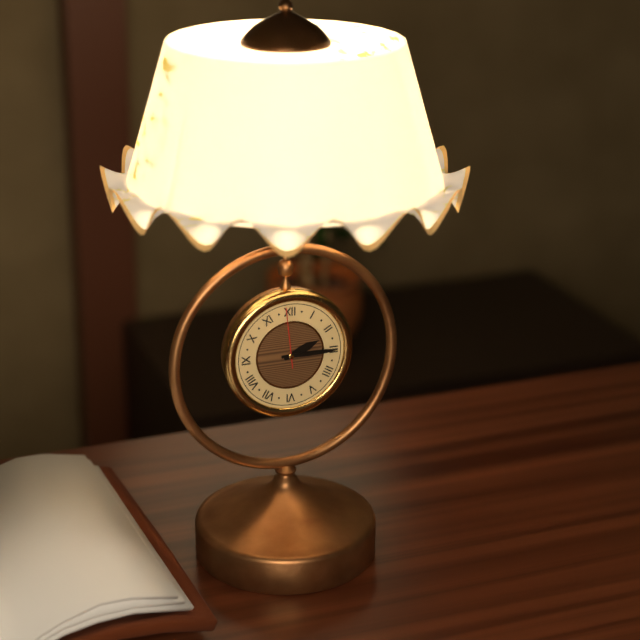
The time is 2:15:59
